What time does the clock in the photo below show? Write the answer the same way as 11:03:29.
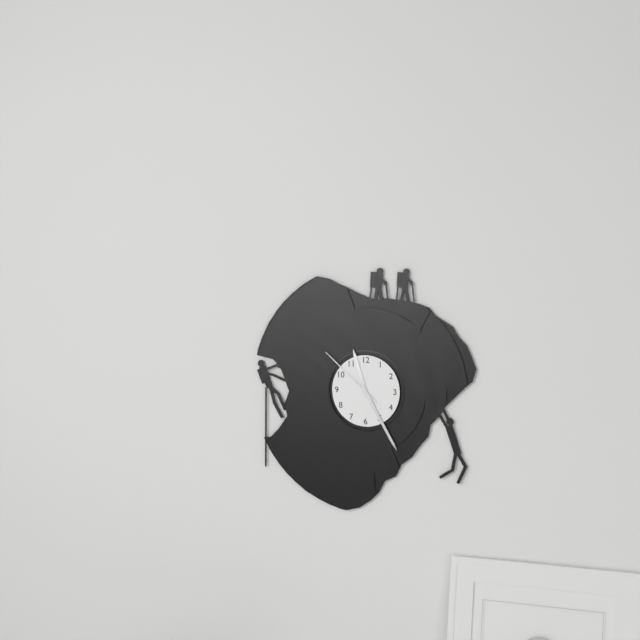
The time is 11:25:52
